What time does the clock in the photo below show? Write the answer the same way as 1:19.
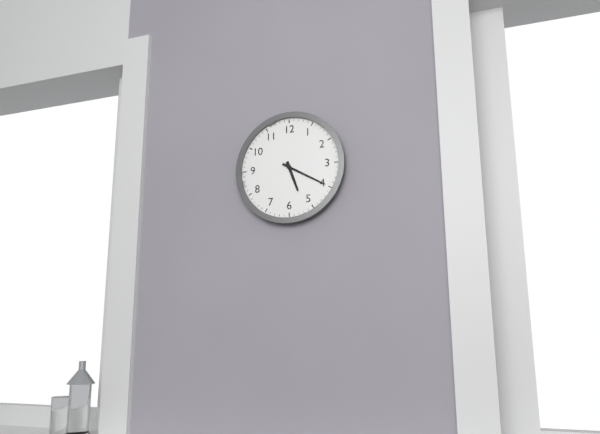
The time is 5:20
